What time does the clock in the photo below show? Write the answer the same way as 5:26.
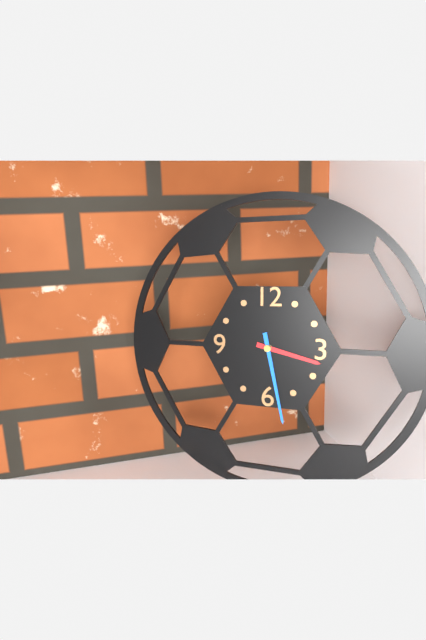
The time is 3:28
